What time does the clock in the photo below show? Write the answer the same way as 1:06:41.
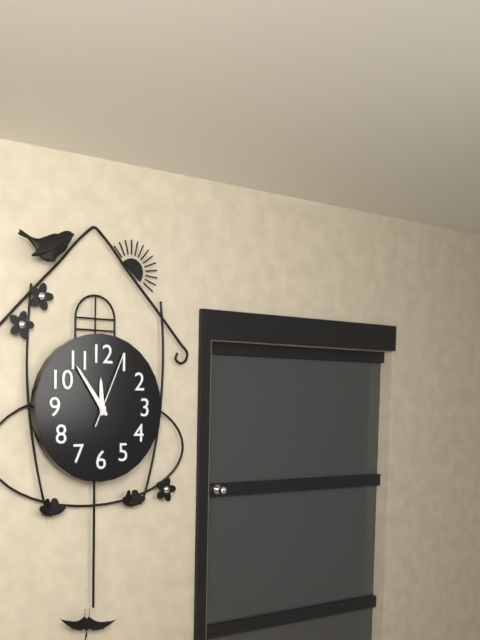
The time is 11:54:04
